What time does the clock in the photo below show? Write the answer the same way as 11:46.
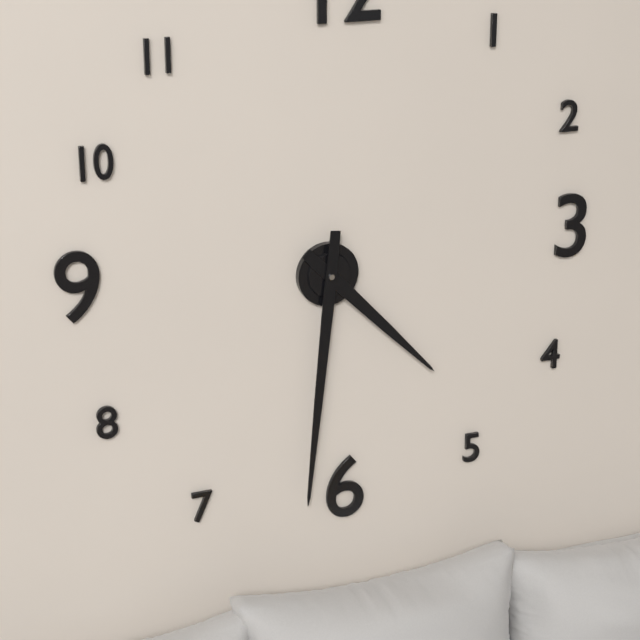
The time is 4:31
